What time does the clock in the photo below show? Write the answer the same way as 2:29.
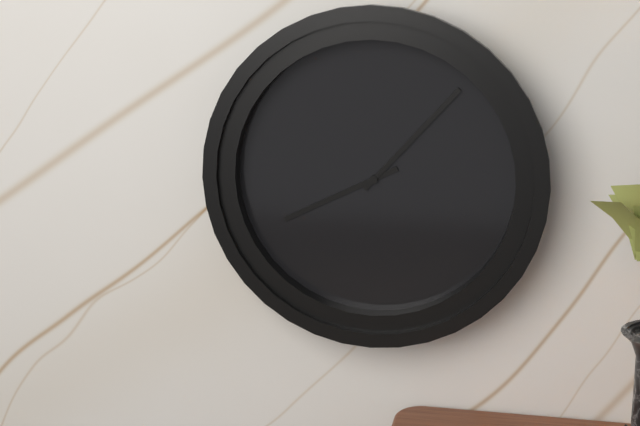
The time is 8:07
